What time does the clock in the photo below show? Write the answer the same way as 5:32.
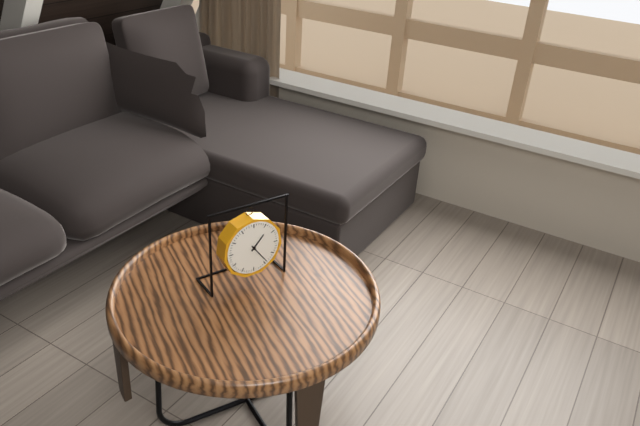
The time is 1:24
